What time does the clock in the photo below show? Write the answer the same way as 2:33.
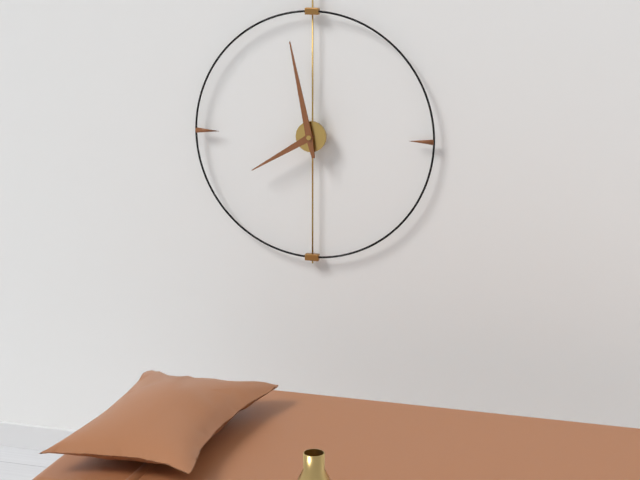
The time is 7:58
